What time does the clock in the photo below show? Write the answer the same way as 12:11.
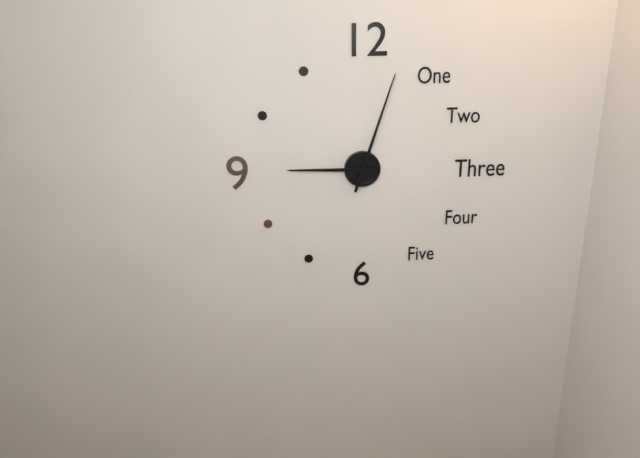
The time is 9:03
